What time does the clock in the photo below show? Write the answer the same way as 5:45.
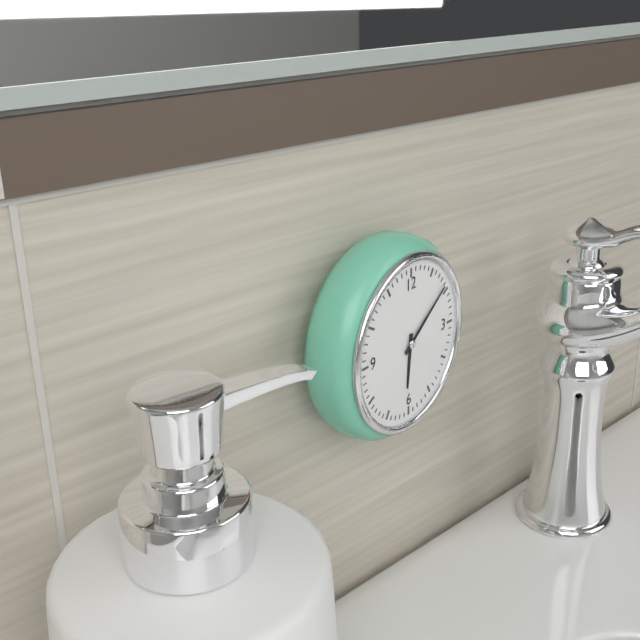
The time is 6:09
